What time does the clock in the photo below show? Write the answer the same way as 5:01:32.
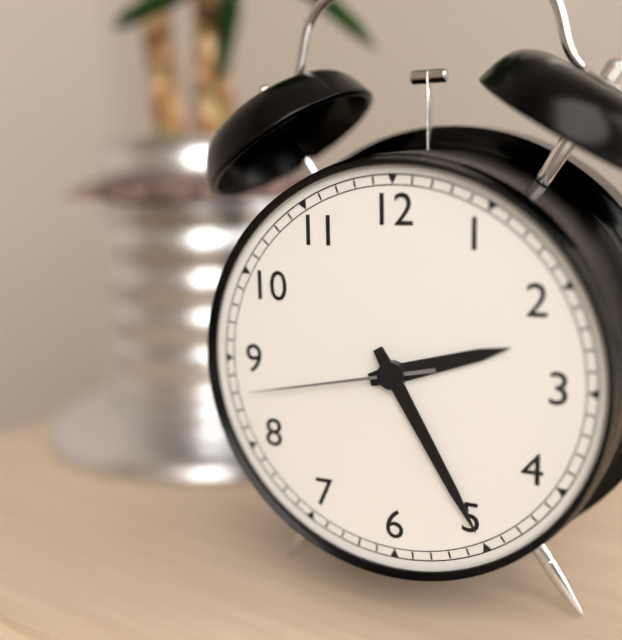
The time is 2:25:43
